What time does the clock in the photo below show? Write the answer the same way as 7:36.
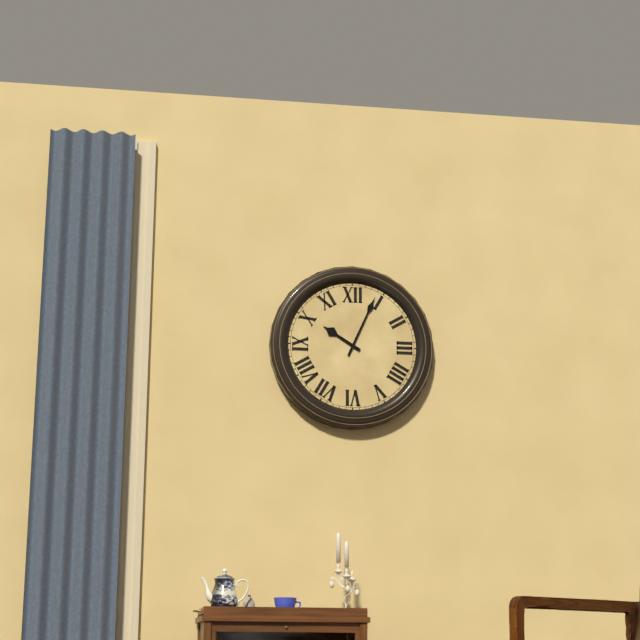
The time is 10:04
